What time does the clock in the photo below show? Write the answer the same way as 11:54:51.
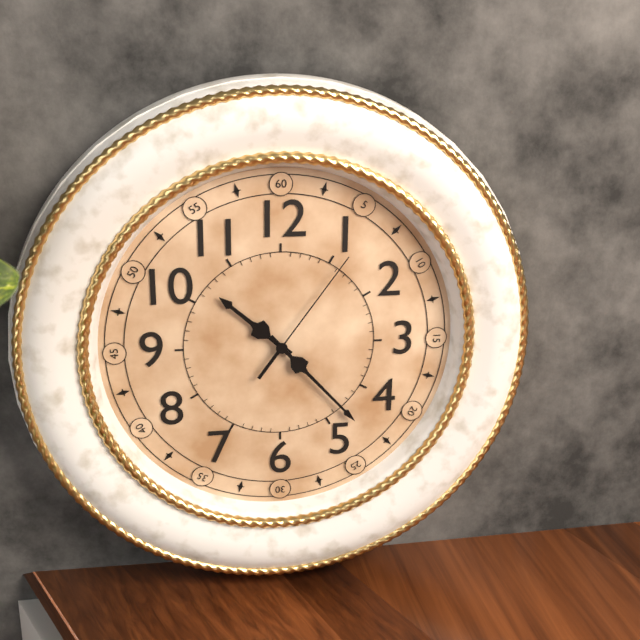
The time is 10:23:06
